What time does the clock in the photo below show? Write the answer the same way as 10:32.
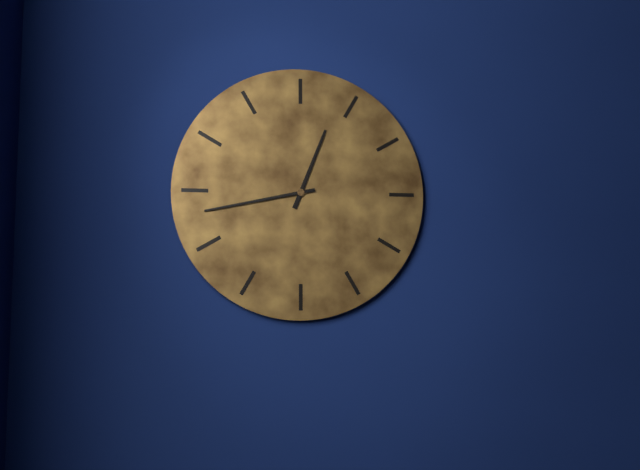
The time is 12:43
